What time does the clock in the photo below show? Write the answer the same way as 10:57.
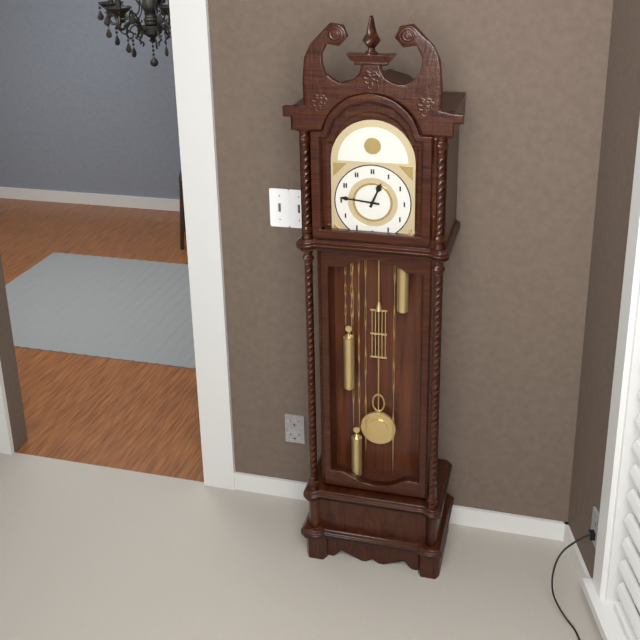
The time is 12:46
